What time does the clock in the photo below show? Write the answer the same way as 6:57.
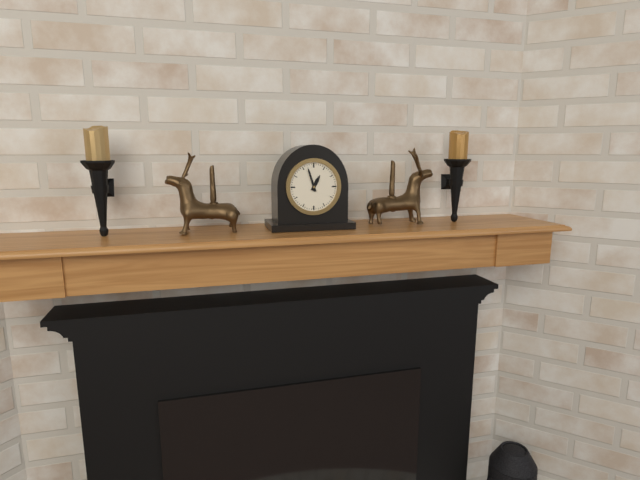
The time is 12:57
